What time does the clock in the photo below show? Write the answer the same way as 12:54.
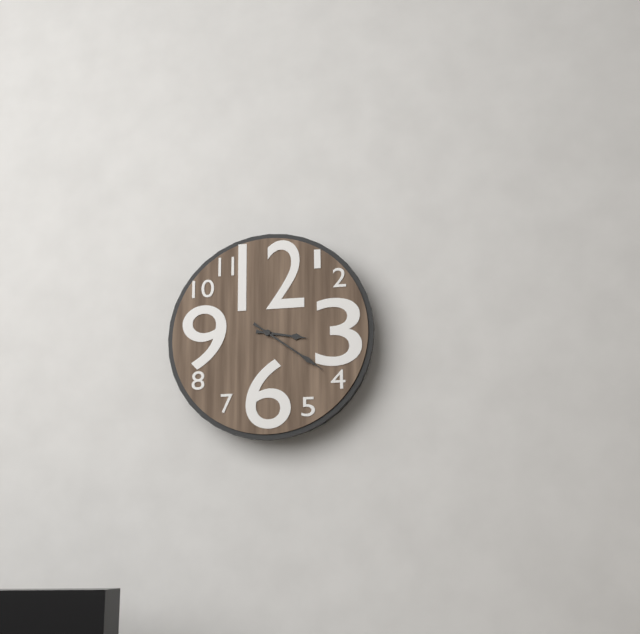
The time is 3:21
